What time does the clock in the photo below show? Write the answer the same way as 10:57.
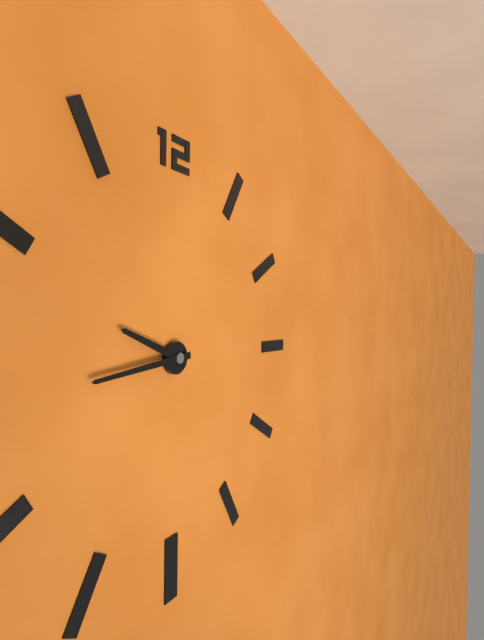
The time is 9:44
